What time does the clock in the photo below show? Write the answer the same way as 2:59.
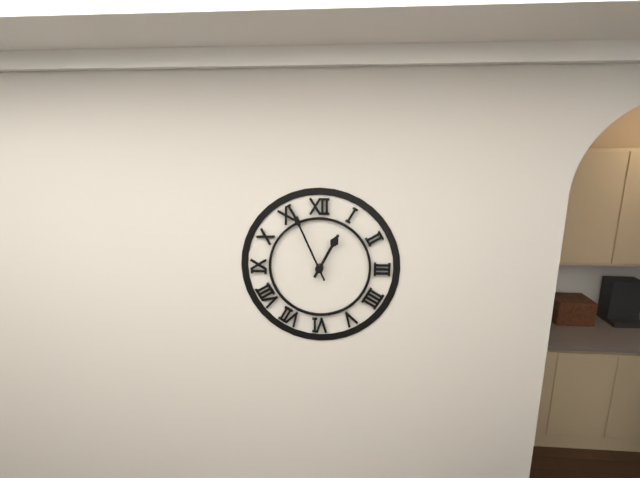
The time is 12:56
